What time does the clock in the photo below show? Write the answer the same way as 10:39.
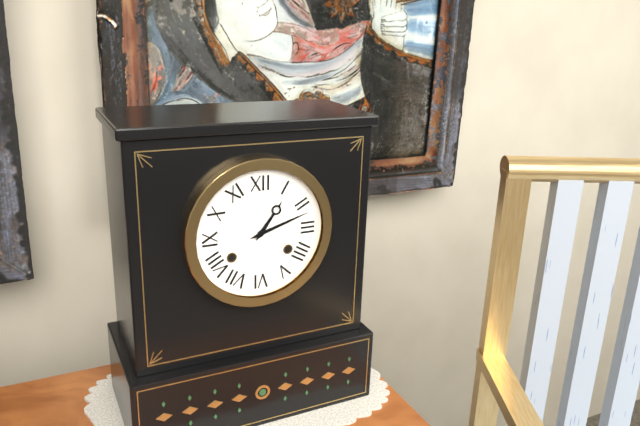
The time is 1:12
